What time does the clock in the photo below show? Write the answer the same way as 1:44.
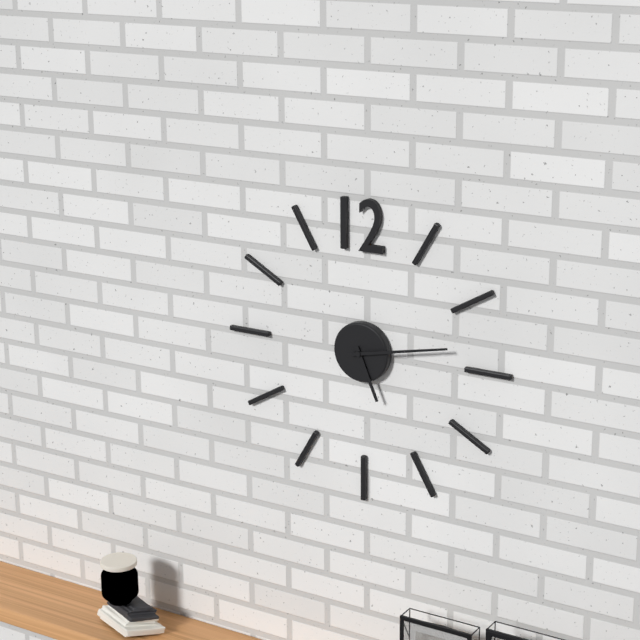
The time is 5:13
